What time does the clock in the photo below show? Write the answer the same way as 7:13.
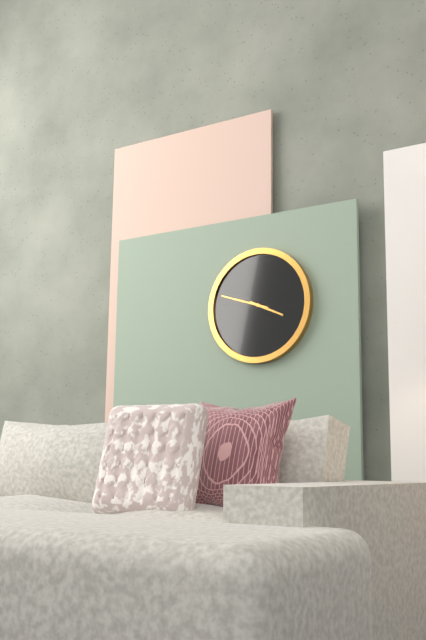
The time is 3:48
